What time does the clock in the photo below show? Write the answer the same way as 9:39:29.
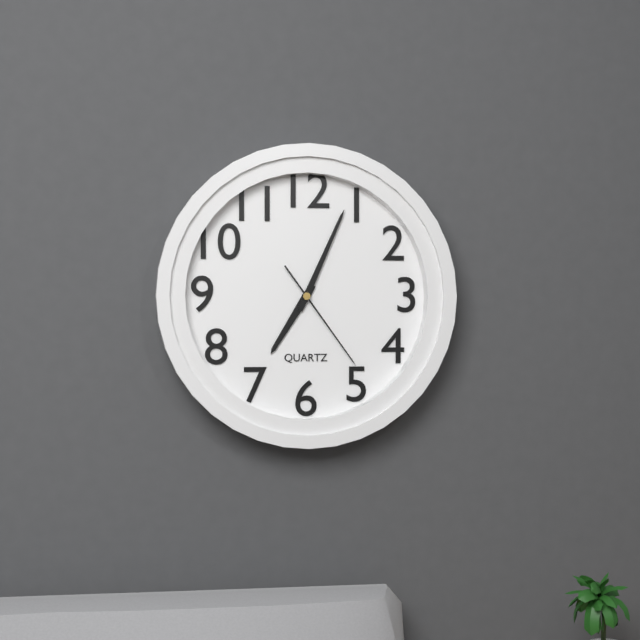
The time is 7:04:24
